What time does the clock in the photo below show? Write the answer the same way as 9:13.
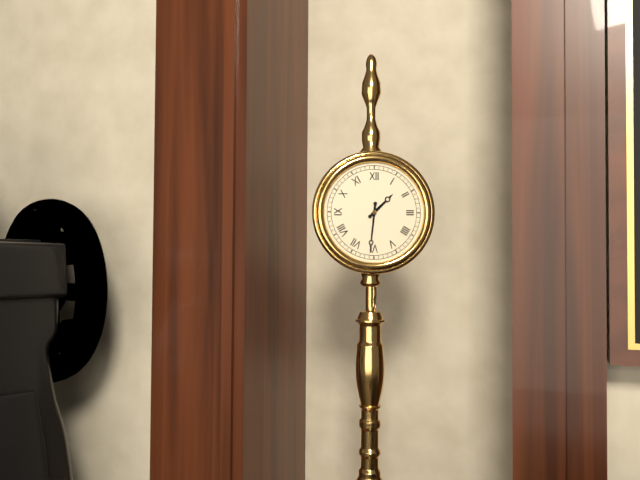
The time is 1:31
